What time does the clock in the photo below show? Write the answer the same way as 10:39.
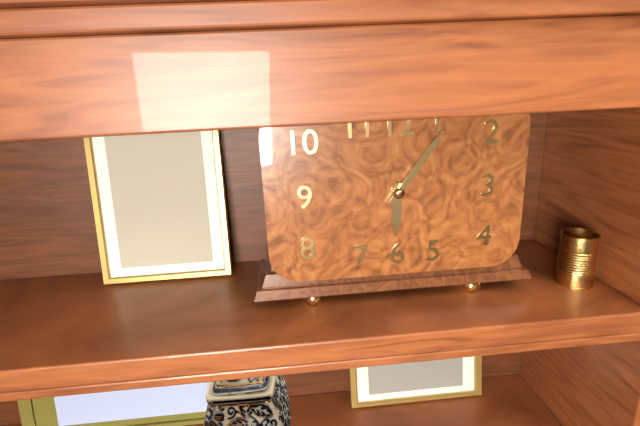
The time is 6:06
